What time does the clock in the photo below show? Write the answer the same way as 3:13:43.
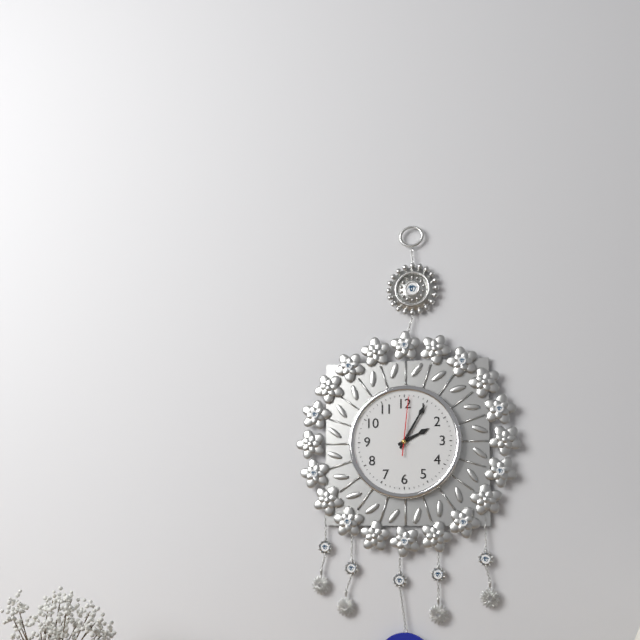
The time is 2:05:01
